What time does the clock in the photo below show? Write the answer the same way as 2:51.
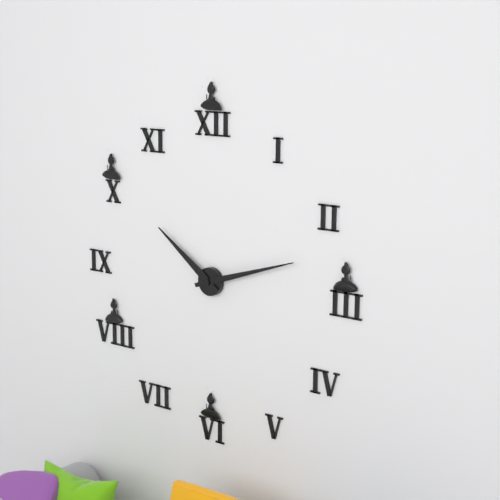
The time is 10:12
